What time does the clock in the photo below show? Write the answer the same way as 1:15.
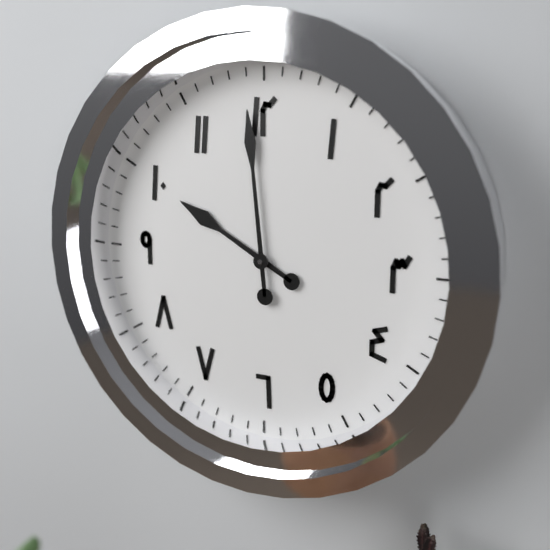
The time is 9:59
